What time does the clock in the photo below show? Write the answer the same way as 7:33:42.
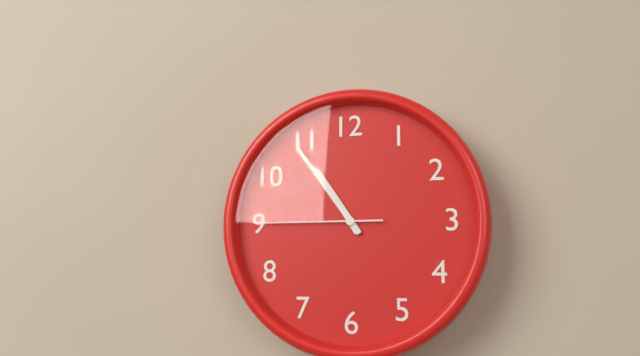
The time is 10:54:45
